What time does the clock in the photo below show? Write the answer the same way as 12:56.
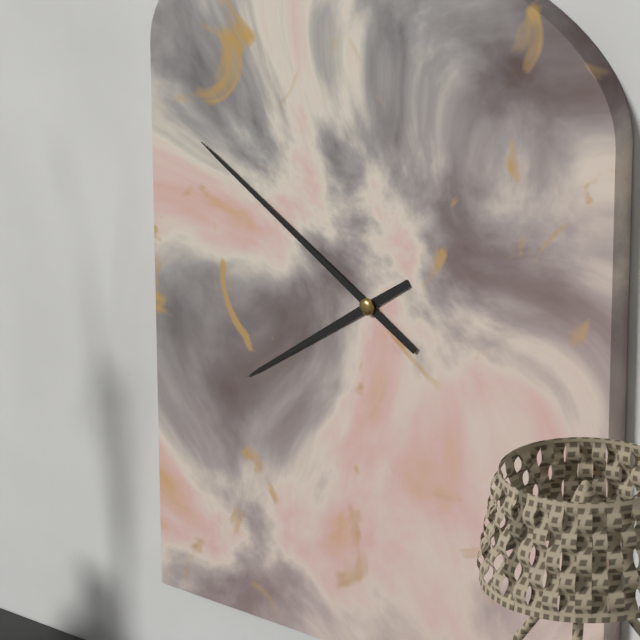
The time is 7:50
